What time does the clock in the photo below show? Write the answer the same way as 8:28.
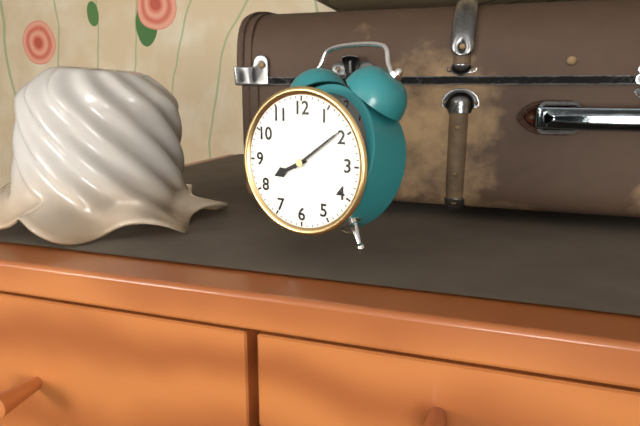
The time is 8:09
